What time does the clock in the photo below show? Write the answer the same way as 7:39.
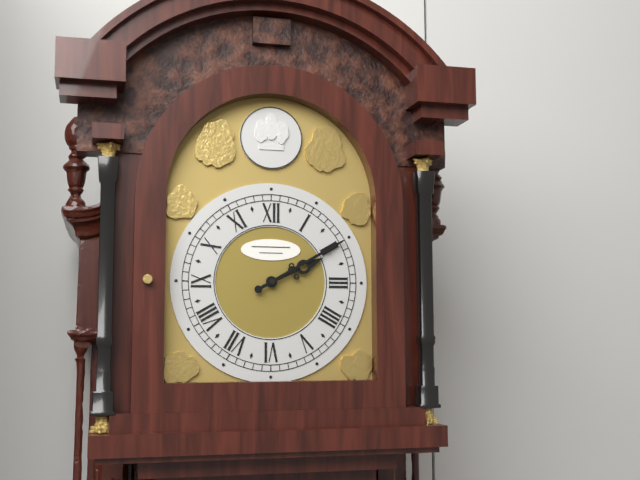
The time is 2:10
